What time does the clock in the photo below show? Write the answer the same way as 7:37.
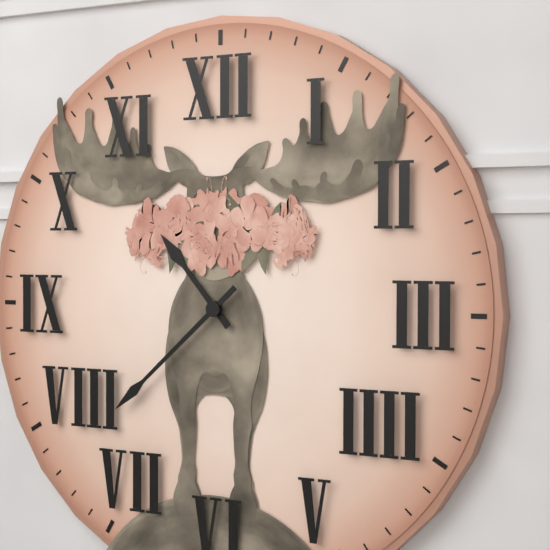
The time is 10:38
